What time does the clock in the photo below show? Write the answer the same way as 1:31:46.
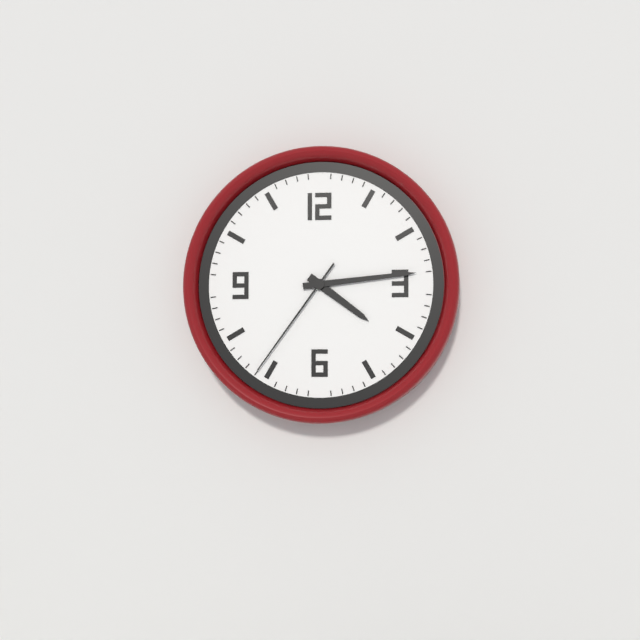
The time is 4:14:36
